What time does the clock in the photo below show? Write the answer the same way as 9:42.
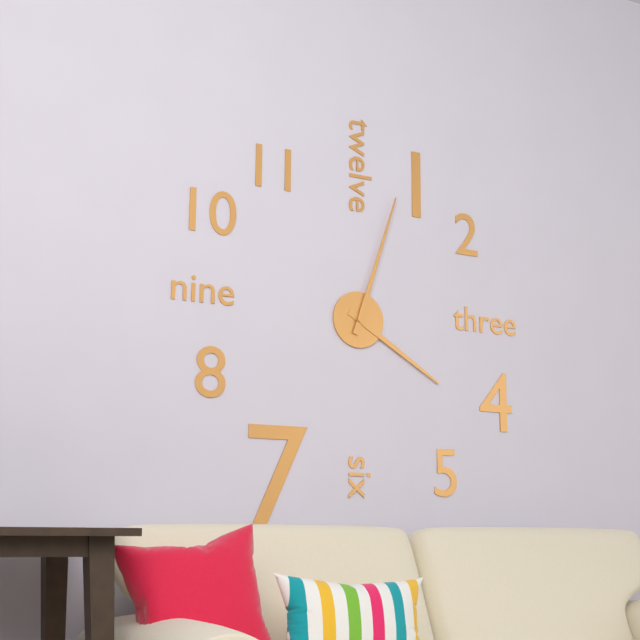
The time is 4:03
